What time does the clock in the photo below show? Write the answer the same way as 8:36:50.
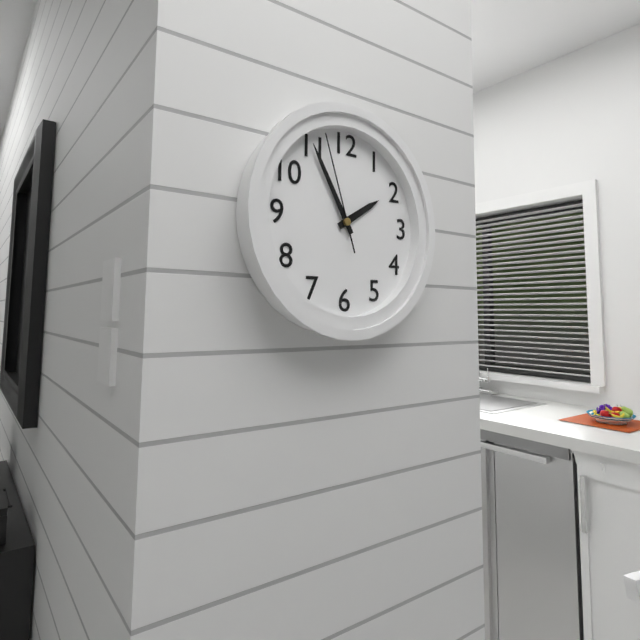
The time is 1:55:57
